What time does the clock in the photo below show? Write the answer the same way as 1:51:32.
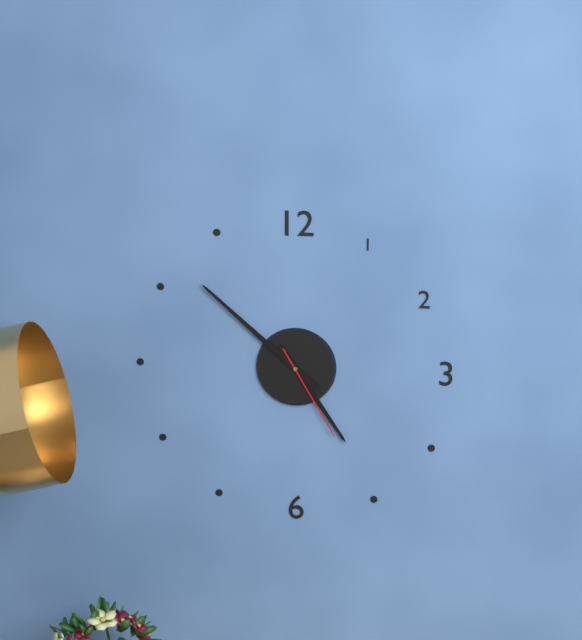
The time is 4:52:25
